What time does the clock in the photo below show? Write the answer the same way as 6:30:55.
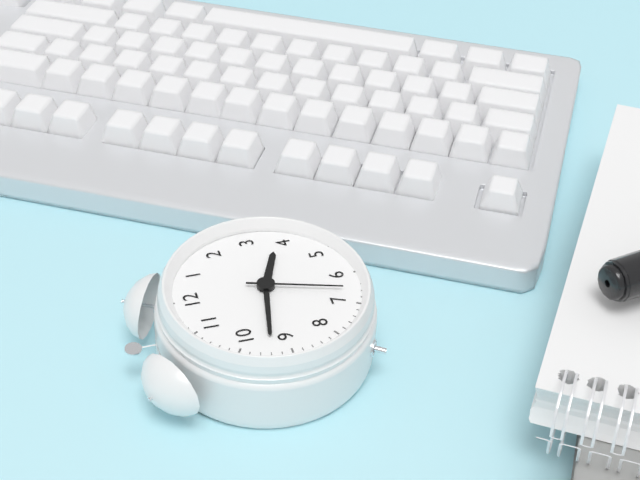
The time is 3:47:33
